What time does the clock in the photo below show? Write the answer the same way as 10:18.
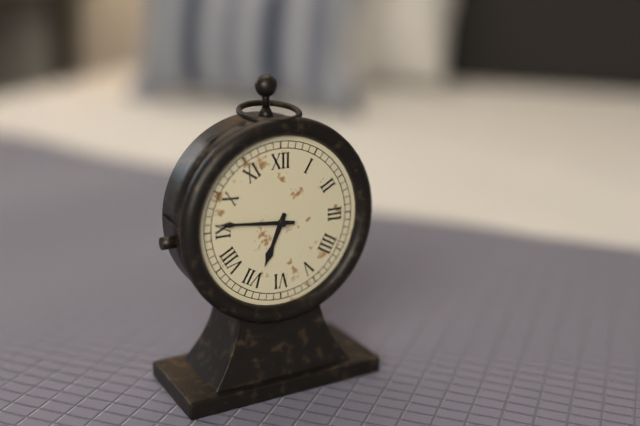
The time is 6:46
